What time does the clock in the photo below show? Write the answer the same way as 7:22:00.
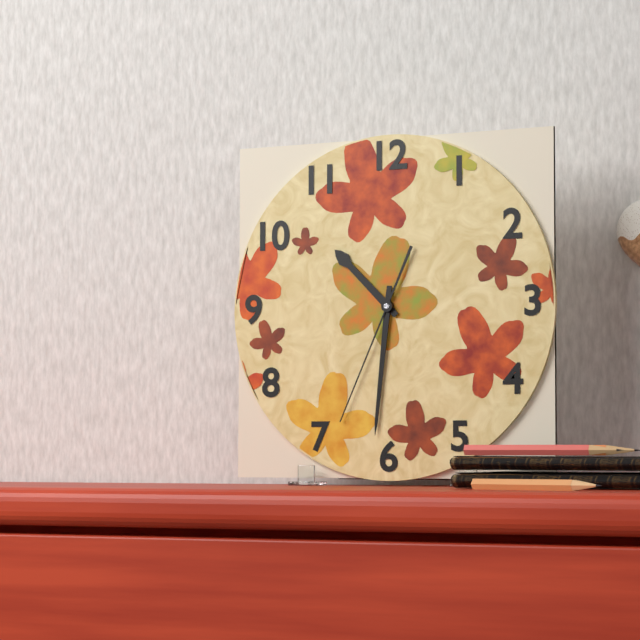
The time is 10:31:34
